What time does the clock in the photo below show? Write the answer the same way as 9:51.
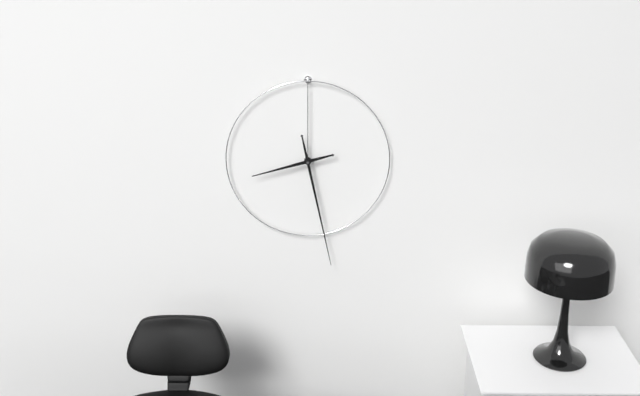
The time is 8:28
